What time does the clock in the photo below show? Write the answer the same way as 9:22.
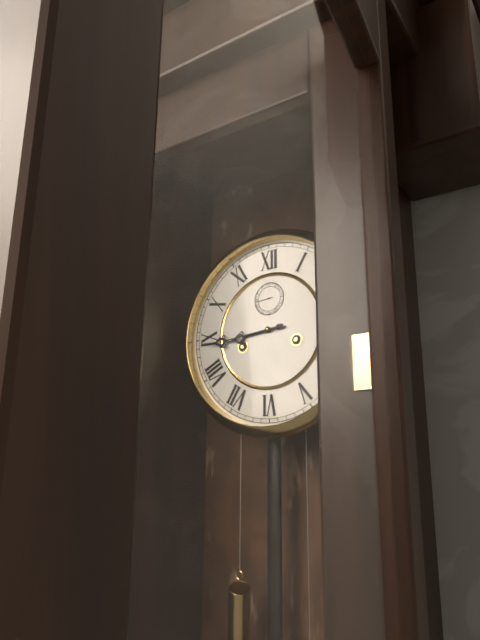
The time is 8:44
